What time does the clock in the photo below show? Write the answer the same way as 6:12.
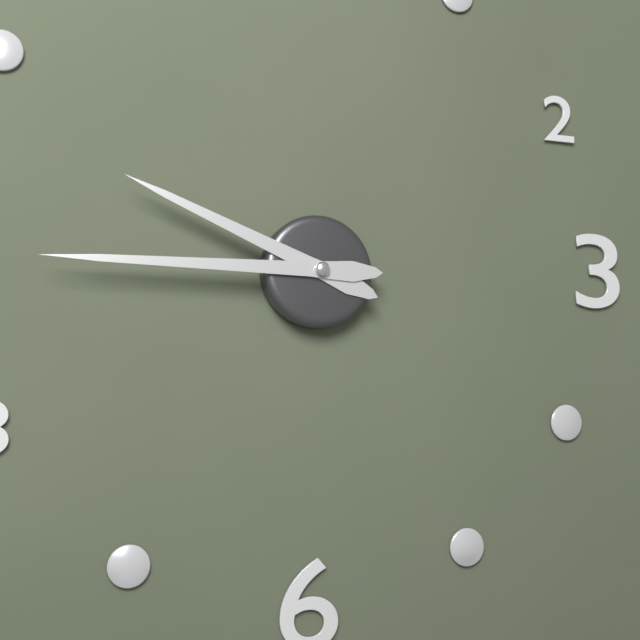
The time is 9:45
